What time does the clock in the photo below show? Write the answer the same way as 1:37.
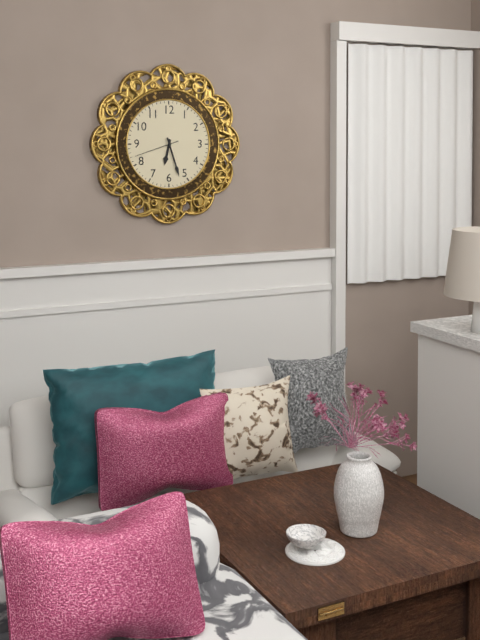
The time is 6:27
